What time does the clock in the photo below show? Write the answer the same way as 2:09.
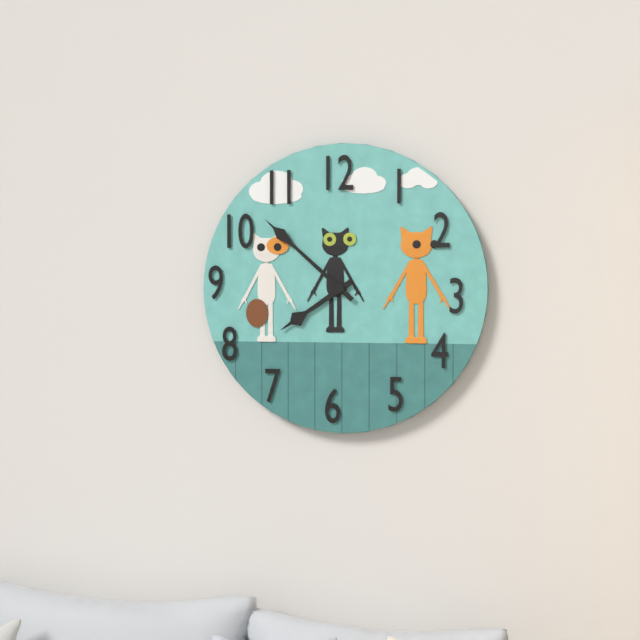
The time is 7:52
